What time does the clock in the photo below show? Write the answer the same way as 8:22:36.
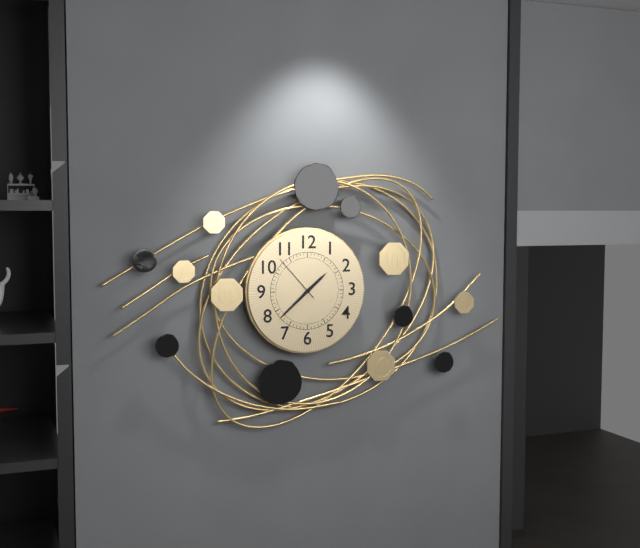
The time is 1:38:53
